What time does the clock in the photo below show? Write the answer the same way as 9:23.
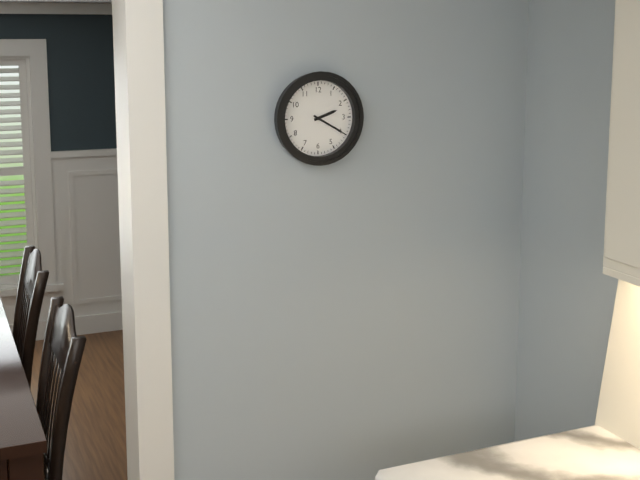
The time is 2:20
